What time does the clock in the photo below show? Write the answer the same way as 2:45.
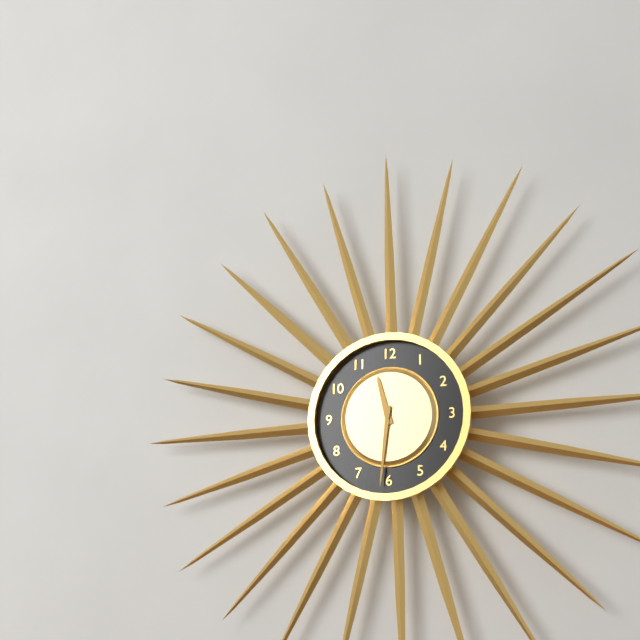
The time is 11:31
